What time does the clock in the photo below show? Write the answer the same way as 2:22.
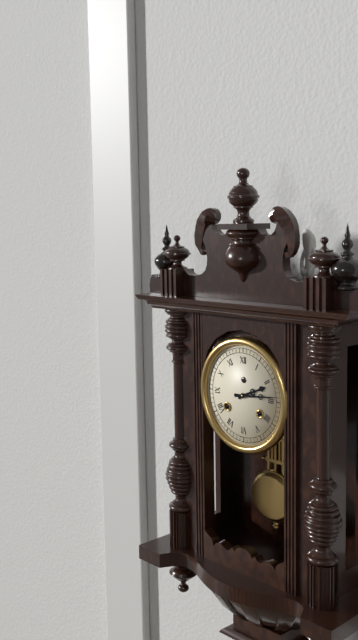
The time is 2:14
